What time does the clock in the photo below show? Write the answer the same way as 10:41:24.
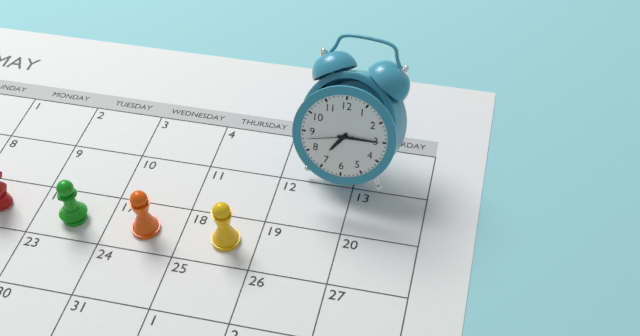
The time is 7:15:43
